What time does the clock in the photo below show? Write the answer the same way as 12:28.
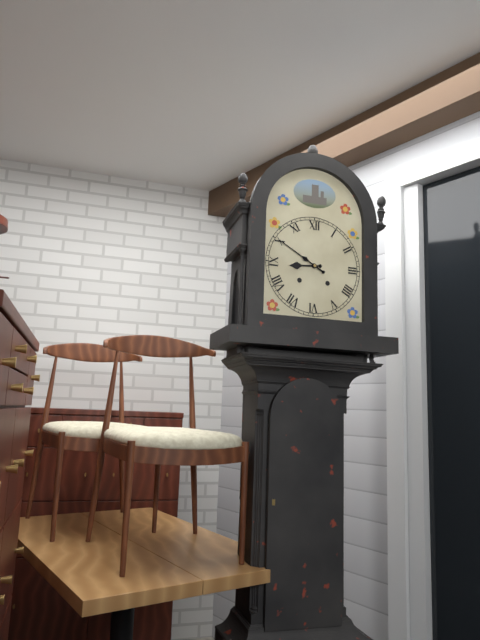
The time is 8:50
